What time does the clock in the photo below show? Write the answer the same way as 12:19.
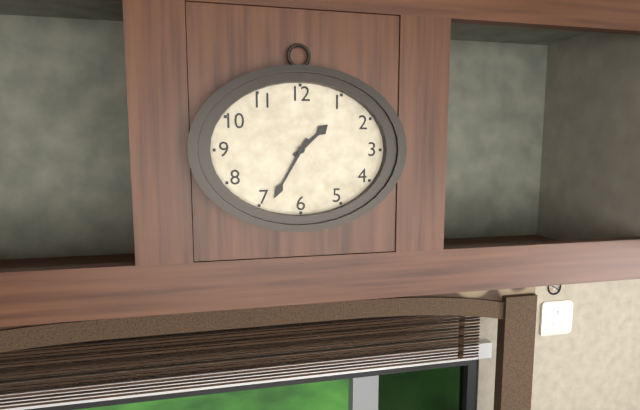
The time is 1:35
